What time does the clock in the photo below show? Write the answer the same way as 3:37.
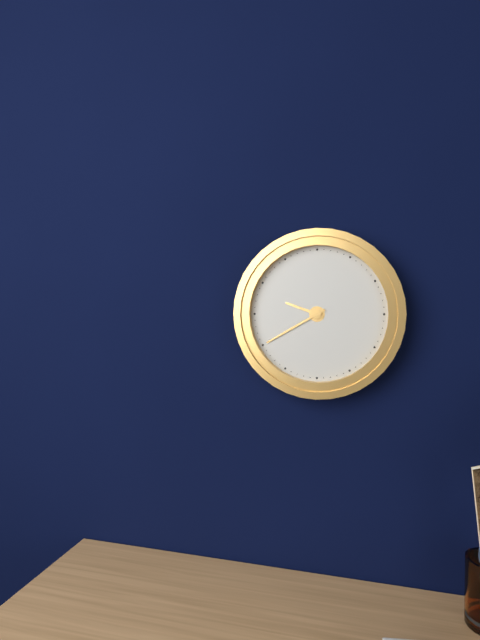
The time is 9:40
